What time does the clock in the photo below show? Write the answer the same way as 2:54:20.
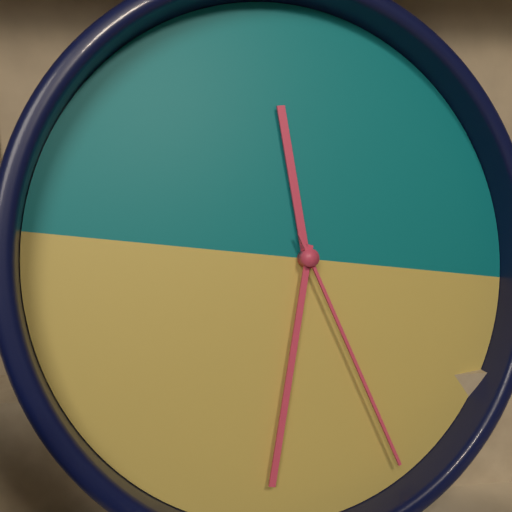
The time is 11:31:25
